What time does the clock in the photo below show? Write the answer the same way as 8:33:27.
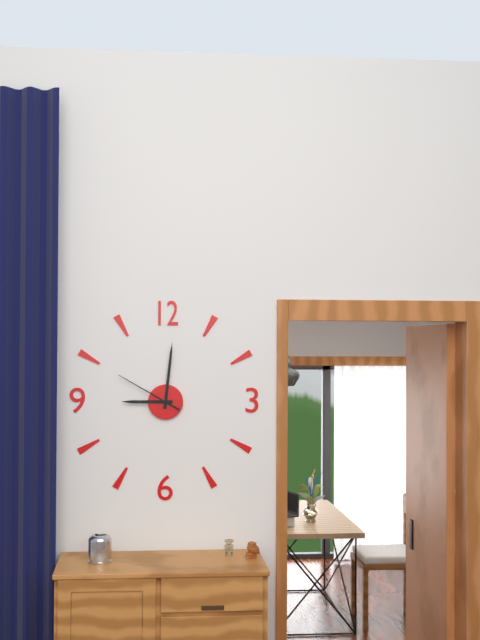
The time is 9:01:50
